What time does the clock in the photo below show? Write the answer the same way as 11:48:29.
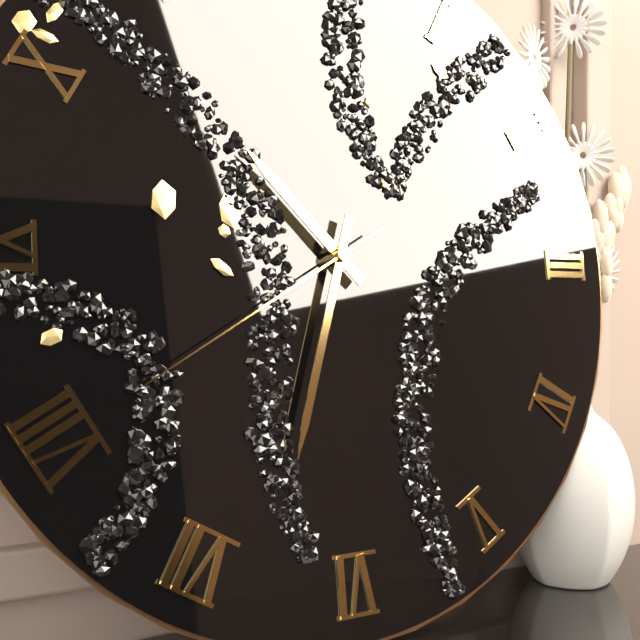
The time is 10:33:40
